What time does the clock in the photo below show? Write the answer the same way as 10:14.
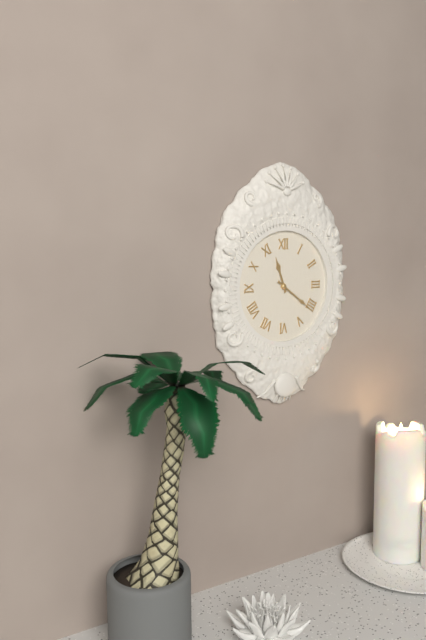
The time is 11:21
